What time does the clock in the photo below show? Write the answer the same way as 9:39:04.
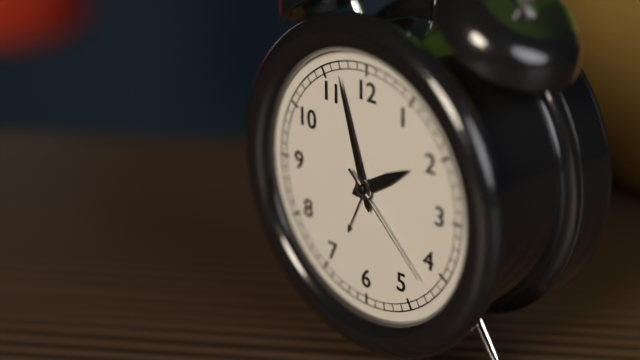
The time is 1:57:22
